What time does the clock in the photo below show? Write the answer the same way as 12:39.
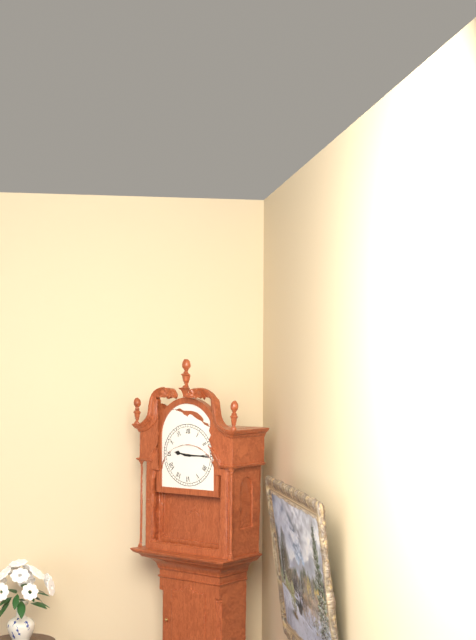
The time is 9:15
